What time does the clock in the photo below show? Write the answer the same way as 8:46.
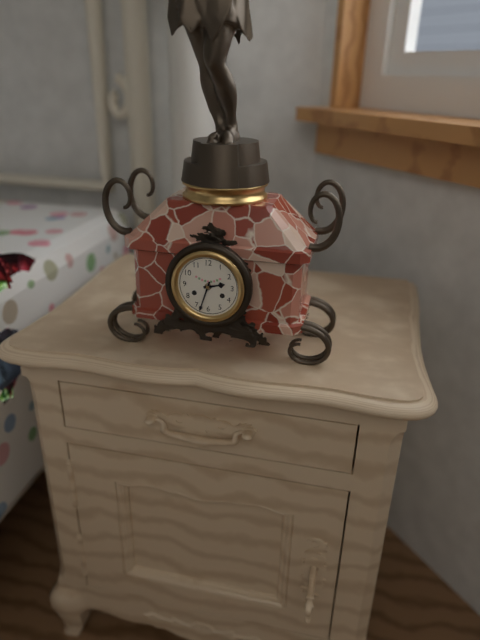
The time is 2:33
